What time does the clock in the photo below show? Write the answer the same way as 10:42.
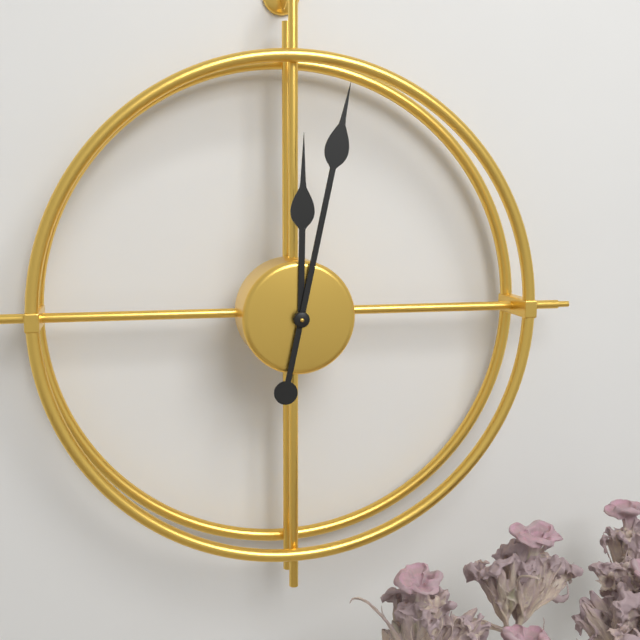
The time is 12:02
